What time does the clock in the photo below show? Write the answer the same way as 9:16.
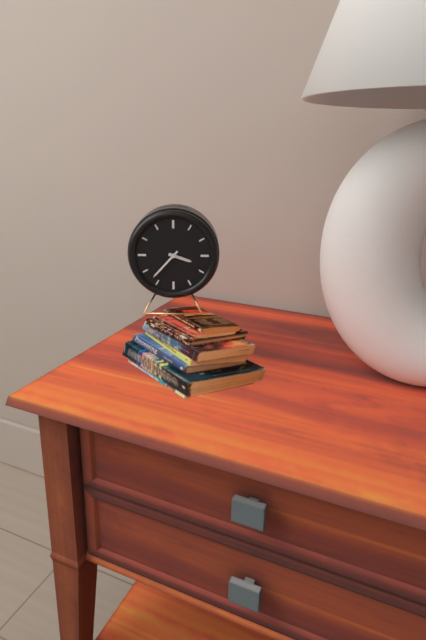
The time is 3:37
